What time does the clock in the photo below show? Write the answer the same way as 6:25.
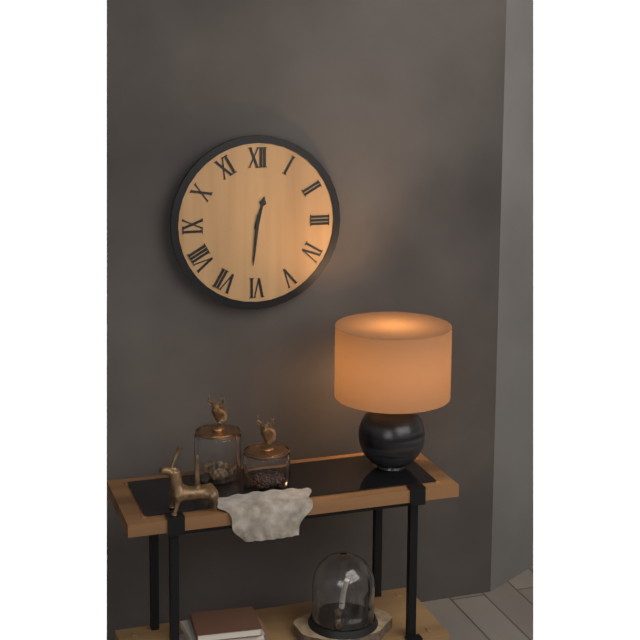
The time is 12:31
